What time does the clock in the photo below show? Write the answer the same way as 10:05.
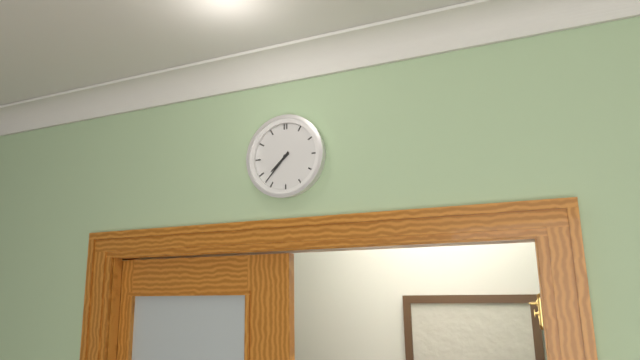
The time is 7:37
